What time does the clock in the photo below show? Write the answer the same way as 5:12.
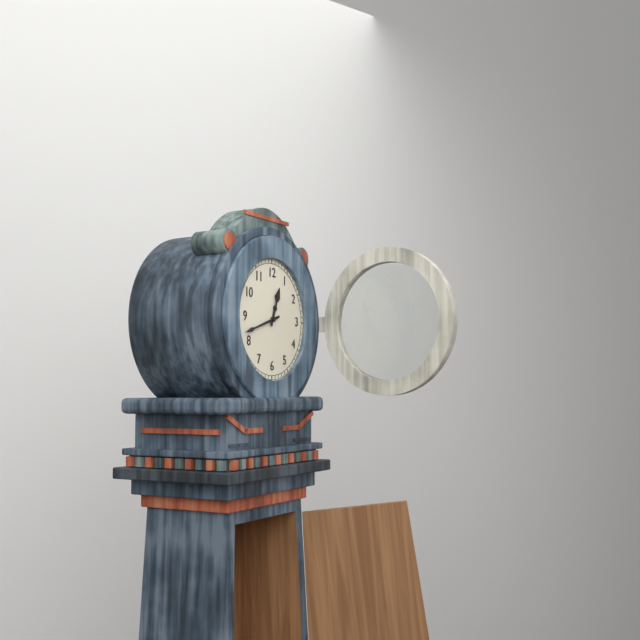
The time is 12:42
